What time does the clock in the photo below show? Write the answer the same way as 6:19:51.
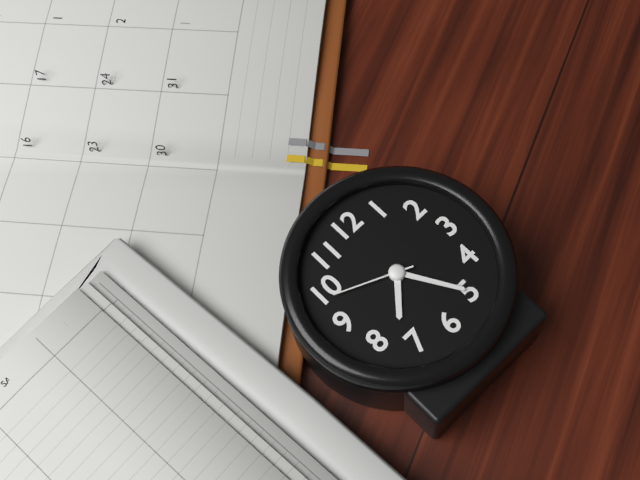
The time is 7:25:49
